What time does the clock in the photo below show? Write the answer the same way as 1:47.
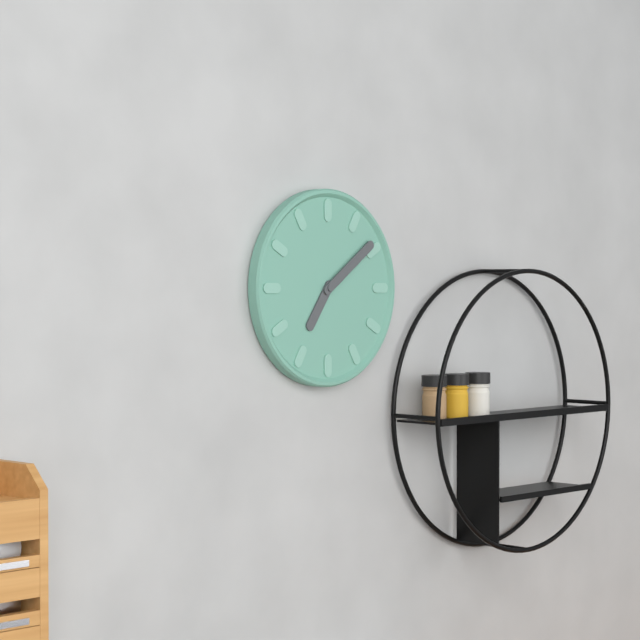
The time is 7:09
